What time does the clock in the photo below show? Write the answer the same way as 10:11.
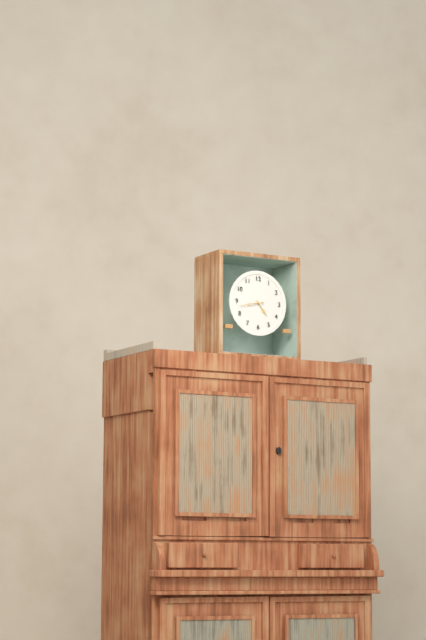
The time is 4:43
